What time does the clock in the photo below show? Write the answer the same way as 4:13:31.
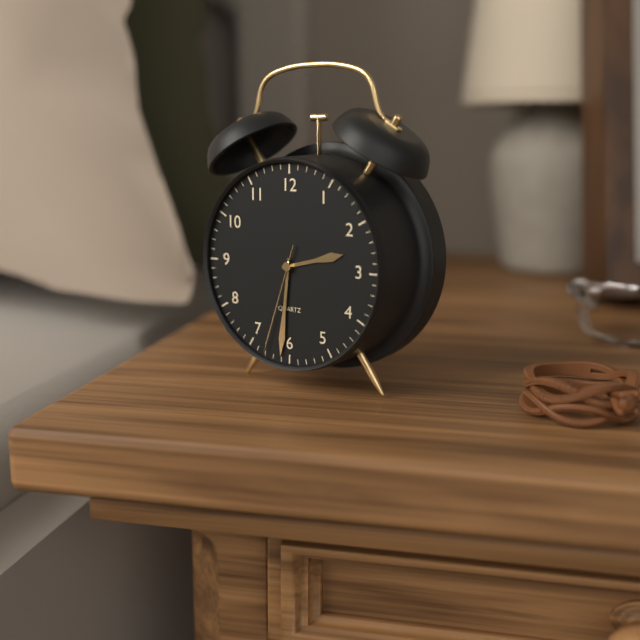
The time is 2:31:33
